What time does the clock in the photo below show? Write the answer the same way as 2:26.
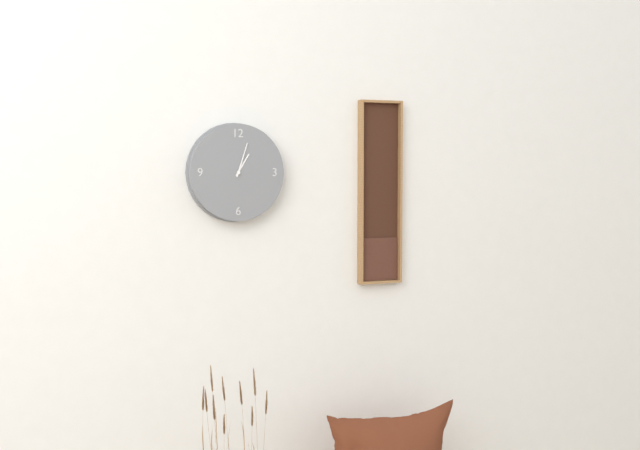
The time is 1:03
